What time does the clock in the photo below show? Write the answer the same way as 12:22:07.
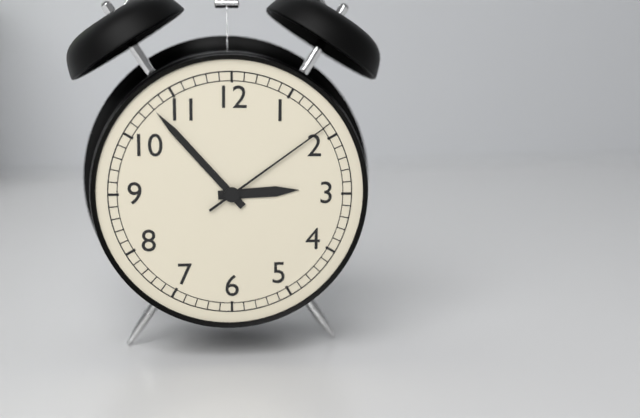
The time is 2:53:09
